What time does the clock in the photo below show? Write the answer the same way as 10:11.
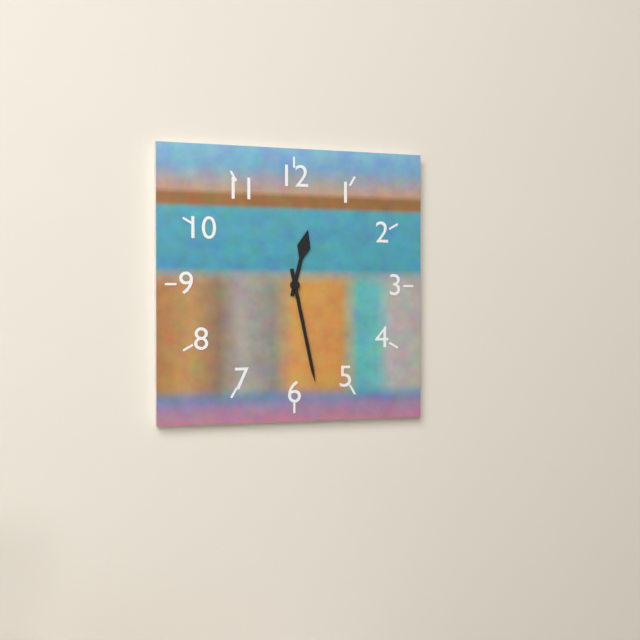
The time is 12:28
